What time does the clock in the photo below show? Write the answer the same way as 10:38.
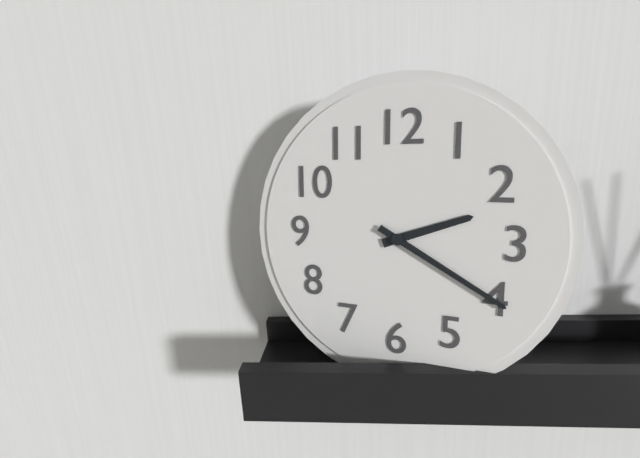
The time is 2:20
